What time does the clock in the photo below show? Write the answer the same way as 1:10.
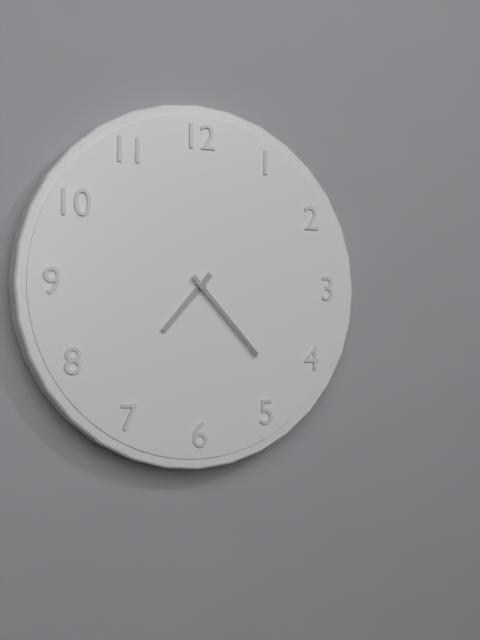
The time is 7:23
